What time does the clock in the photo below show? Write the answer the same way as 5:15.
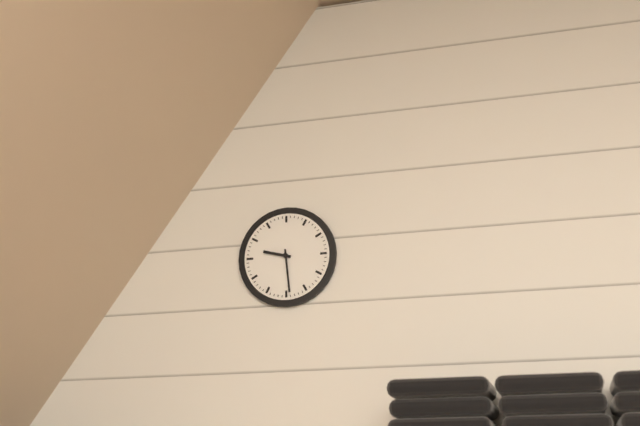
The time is 9:29
